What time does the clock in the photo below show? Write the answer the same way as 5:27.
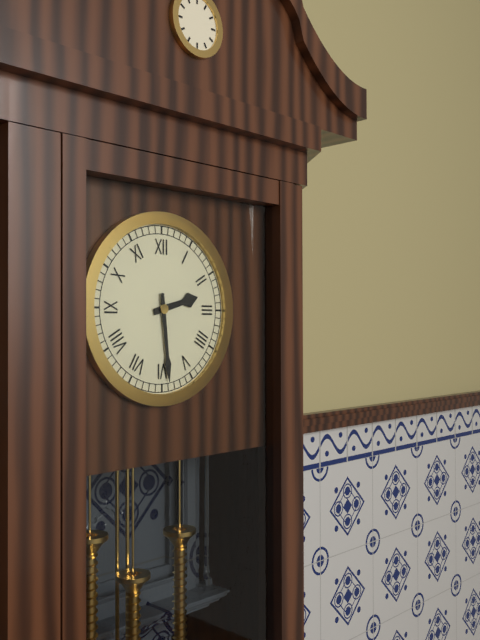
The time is 2:29
